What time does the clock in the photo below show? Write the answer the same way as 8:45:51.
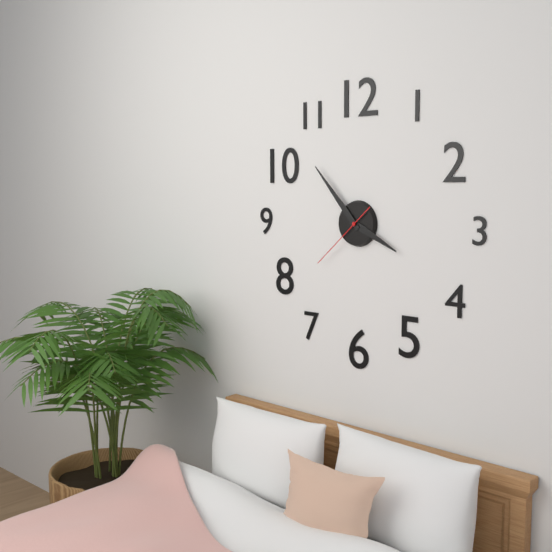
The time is 3:53:38
